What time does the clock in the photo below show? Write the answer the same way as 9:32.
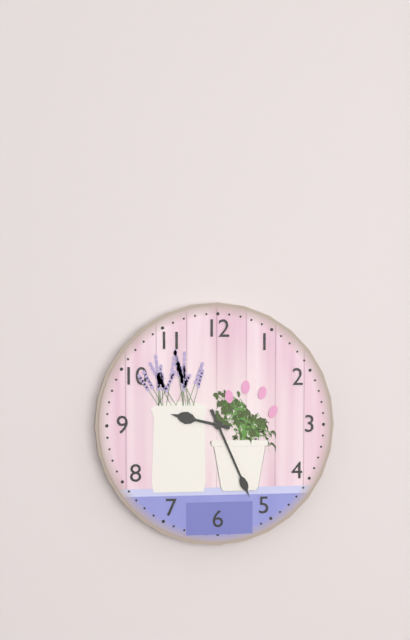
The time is 9:26
